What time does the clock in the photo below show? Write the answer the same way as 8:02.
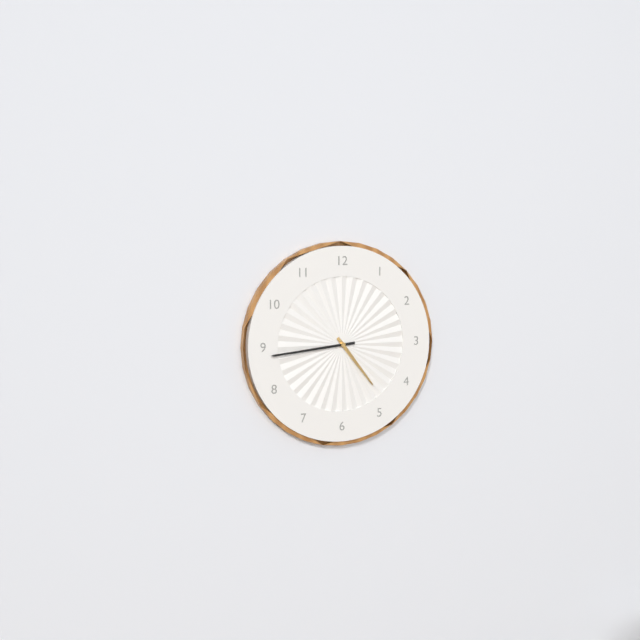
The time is 4:44
